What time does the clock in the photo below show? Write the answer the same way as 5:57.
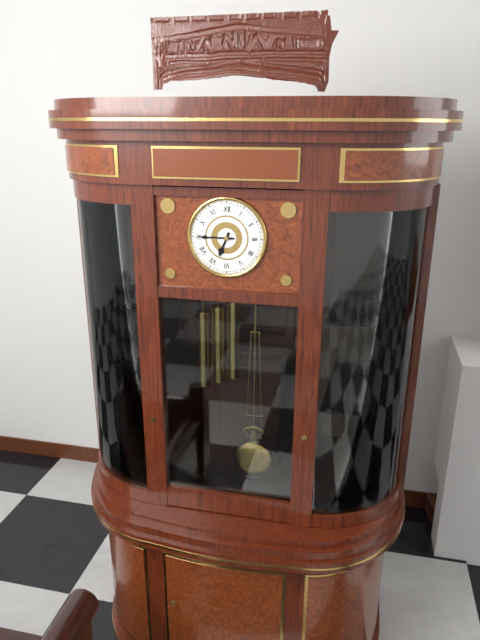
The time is 6:45
